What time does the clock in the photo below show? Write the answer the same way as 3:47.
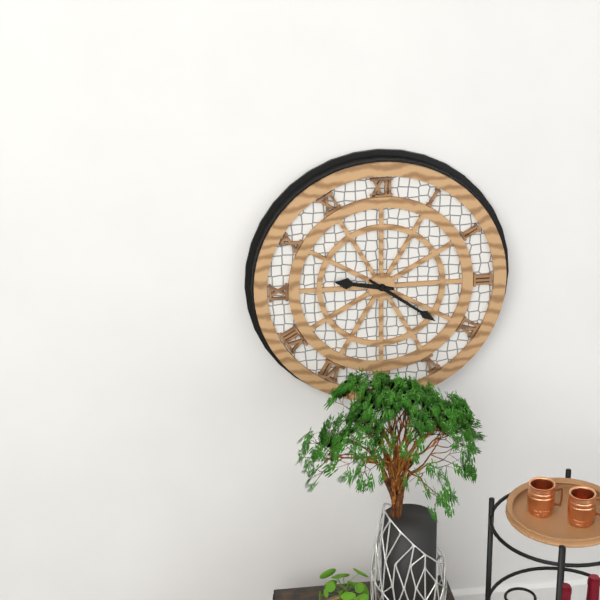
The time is 9:21
